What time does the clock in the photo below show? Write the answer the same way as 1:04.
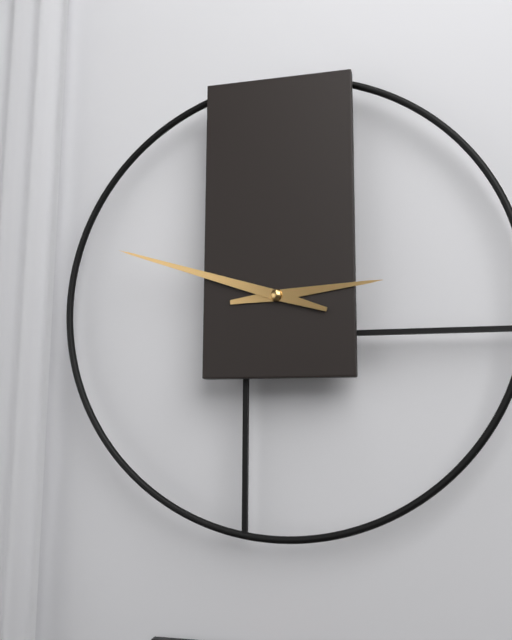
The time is 2:48
